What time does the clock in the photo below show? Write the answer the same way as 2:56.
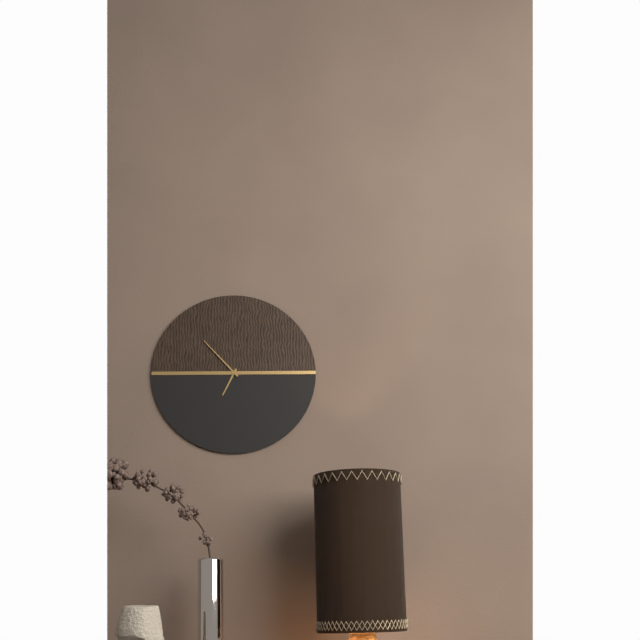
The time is 6:53
